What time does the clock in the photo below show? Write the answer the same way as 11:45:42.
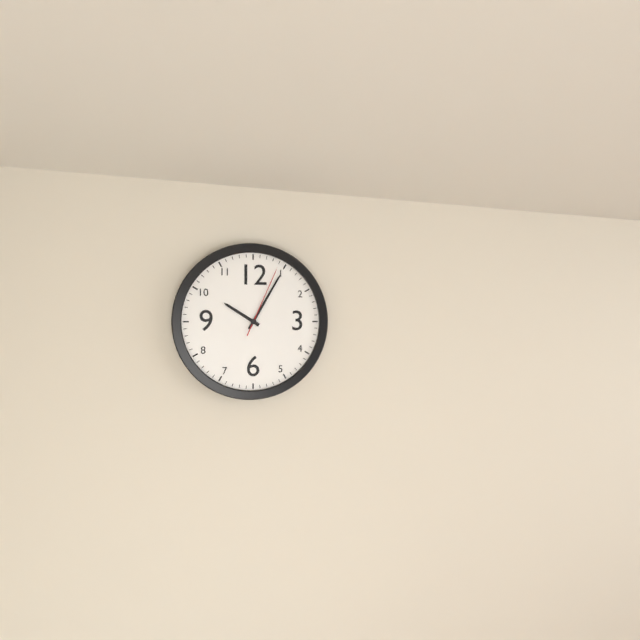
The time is 10:05:04
